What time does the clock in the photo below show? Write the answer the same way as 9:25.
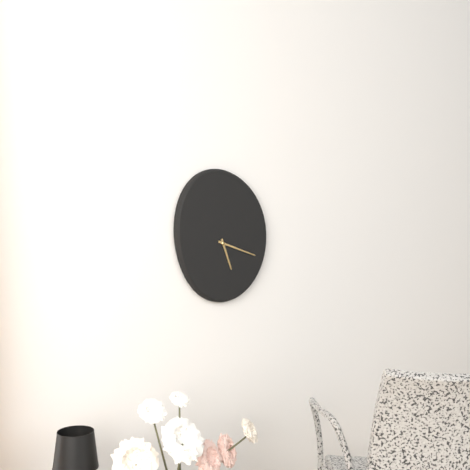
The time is 5:18
